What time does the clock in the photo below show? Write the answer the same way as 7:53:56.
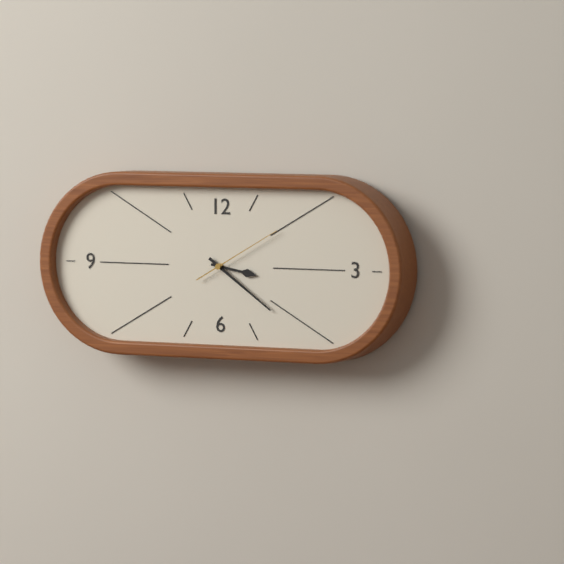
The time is 3:21:10
